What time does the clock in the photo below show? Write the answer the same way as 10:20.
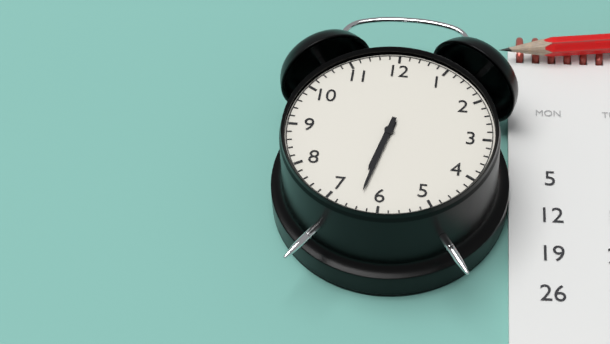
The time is 6:32
